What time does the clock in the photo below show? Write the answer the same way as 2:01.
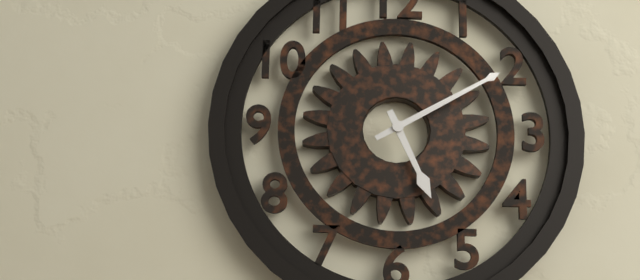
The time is 5:10
